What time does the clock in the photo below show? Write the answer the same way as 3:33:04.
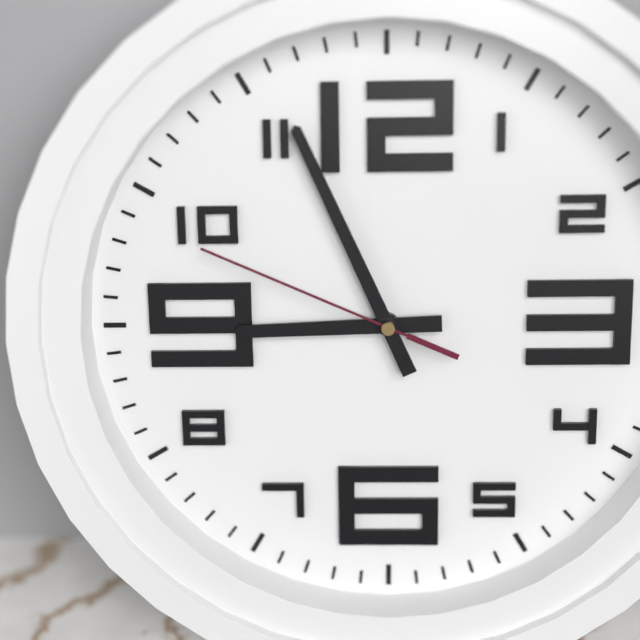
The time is 8:56:49
